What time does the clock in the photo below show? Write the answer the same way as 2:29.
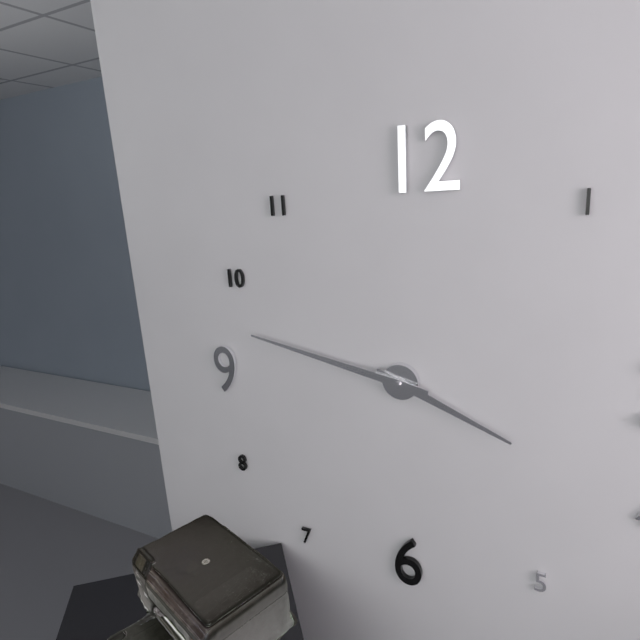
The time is 3:47
